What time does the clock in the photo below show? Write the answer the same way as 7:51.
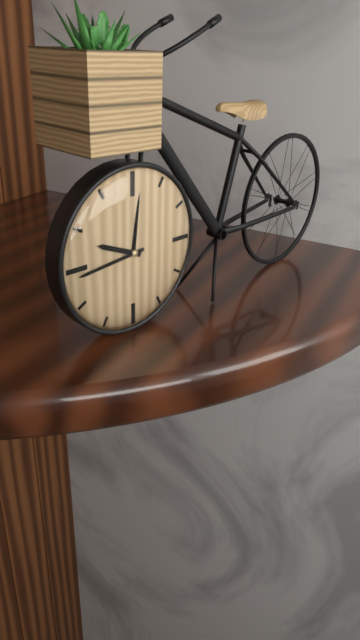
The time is 9:44
